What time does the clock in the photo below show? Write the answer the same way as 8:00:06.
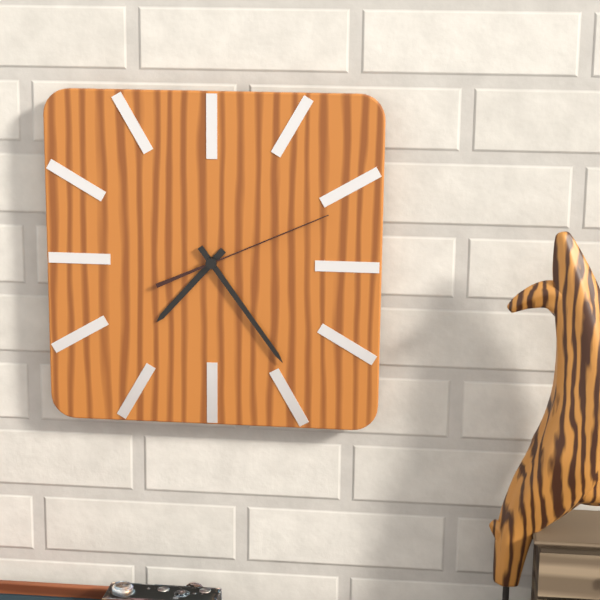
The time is 7:24:11
